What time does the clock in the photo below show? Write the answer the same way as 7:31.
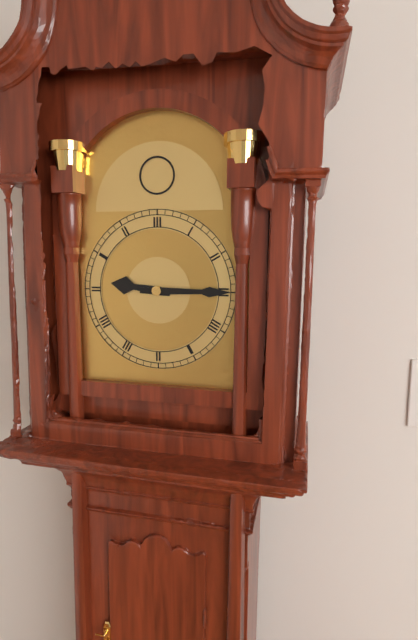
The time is 9:15
